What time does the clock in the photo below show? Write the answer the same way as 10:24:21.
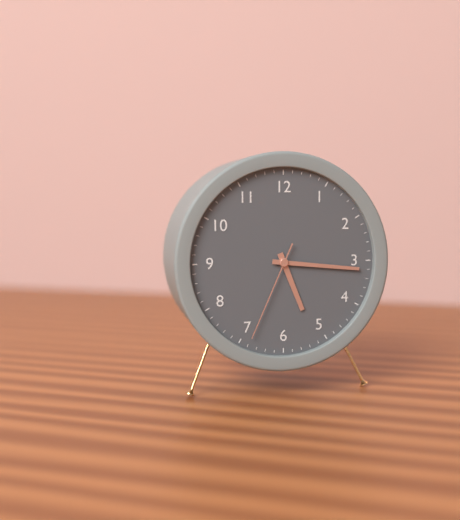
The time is 5:16:34
